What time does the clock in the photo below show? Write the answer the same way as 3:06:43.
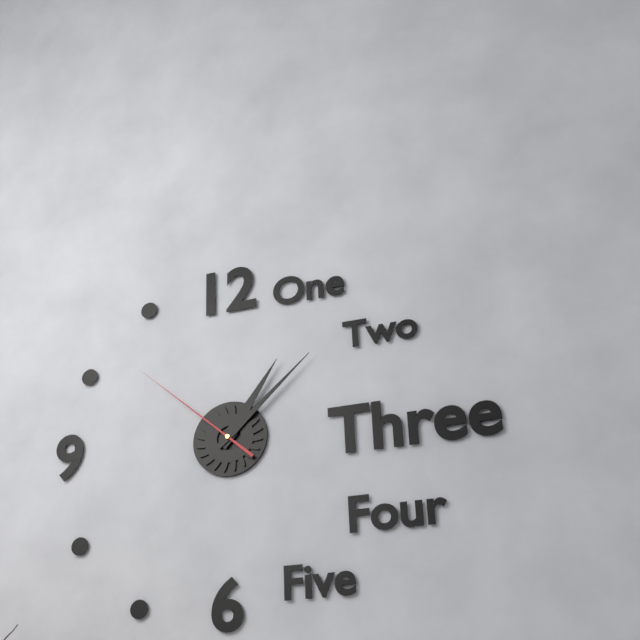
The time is 1:08:52
